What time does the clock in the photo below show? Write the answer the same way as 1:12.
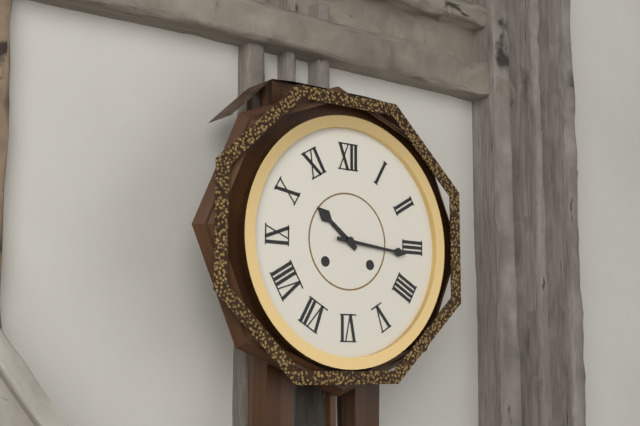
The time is 10:16
